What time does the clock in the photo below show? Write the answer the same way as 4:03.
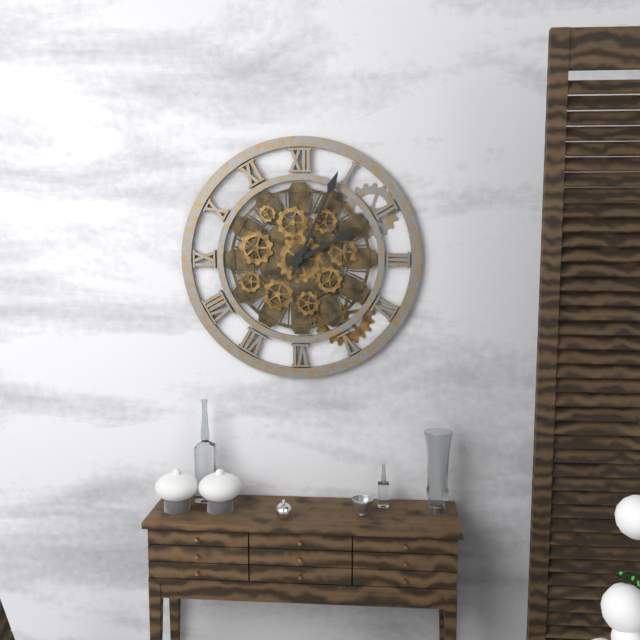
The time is 2:04
